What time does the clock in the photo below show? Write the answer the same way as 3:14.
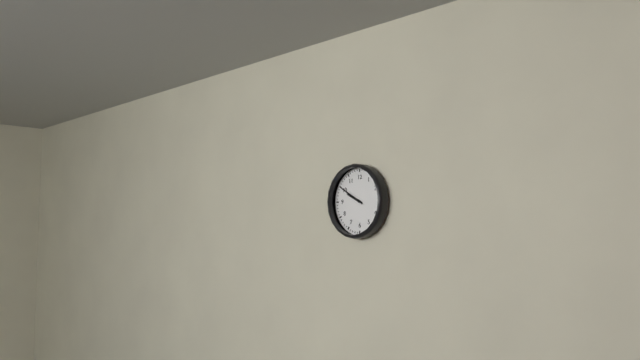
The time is 9:50
